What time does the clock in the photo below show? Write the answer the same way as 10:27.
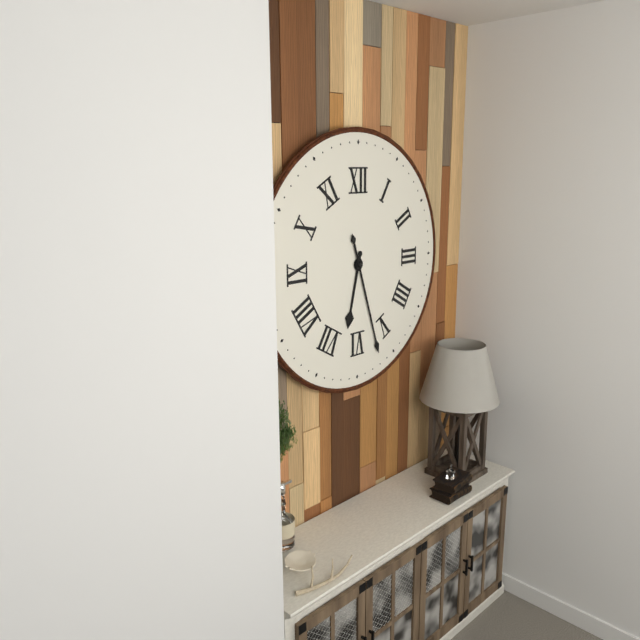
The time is 6:27
